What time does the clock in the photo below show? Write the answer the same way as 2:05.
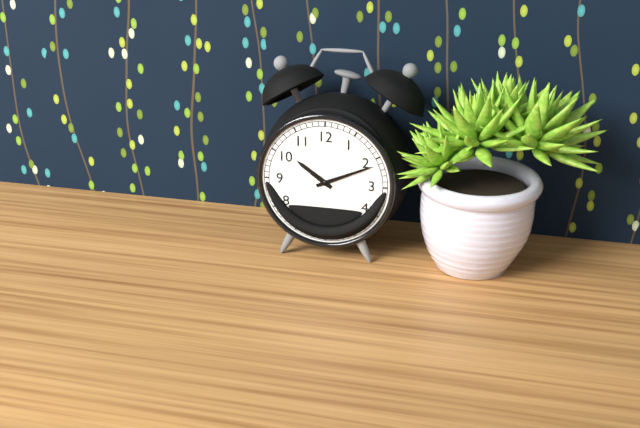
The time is 10:11
